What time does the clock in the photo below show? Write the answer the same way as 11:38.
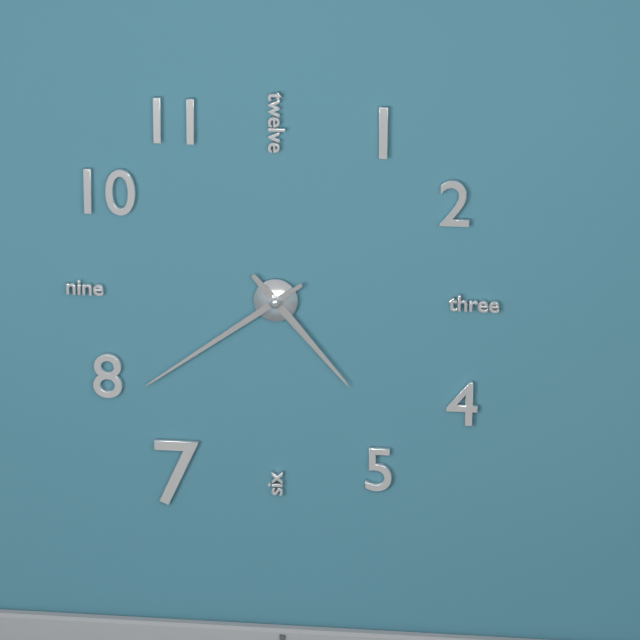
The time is 4:39
